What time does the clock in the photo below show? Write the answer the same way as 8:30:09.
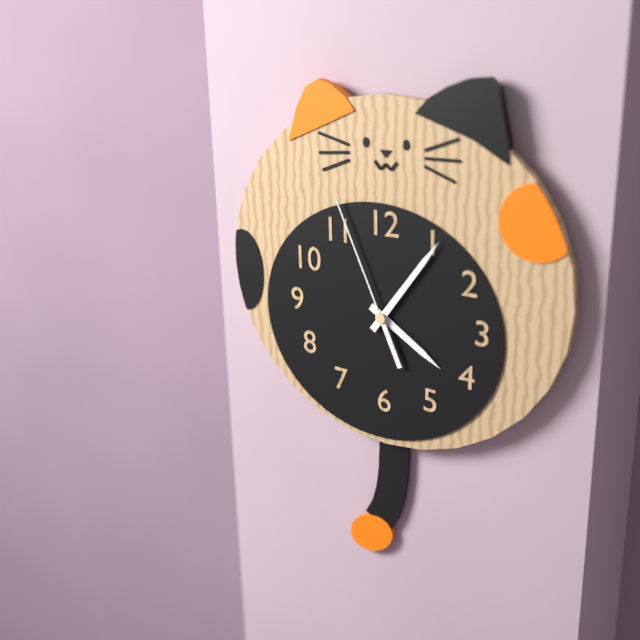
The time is 4:06:56
